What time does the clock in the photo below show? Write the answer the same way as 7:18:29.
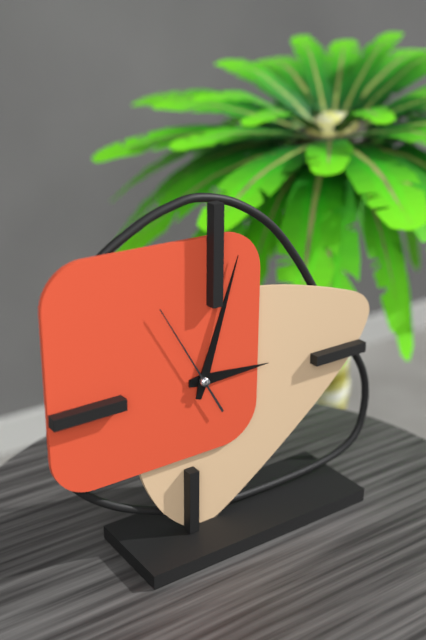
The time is 3:03:55
